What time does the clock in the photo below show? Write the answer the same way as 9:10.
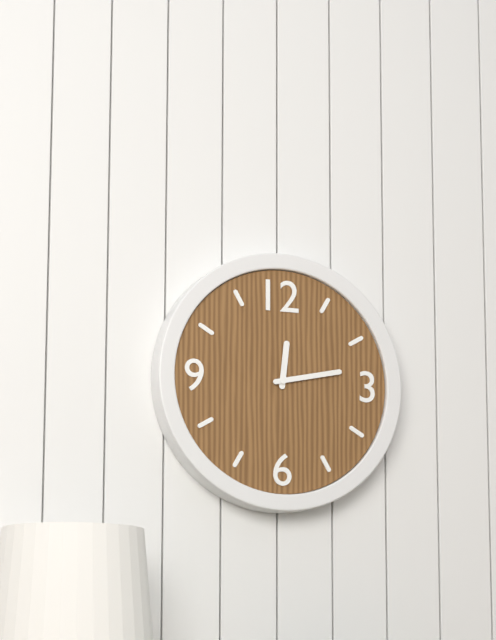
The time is 12:13
